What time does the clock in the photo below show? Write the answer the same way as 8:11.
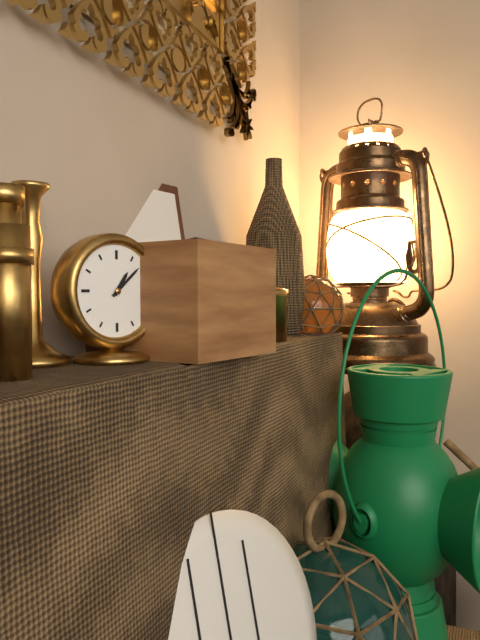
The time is 1:08
